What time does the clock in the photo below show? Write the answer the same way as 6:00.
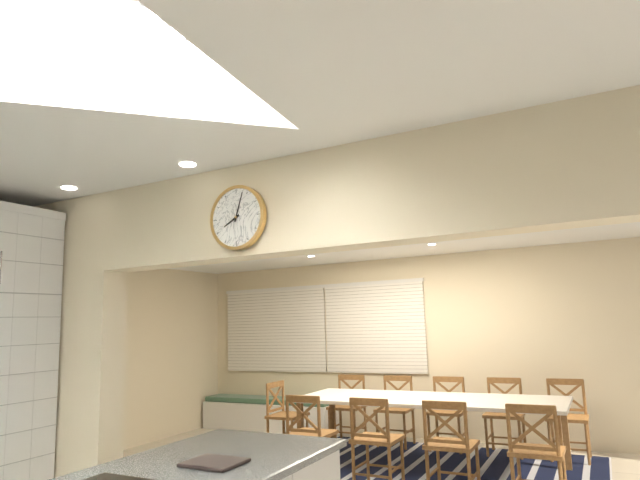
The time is 8:03
